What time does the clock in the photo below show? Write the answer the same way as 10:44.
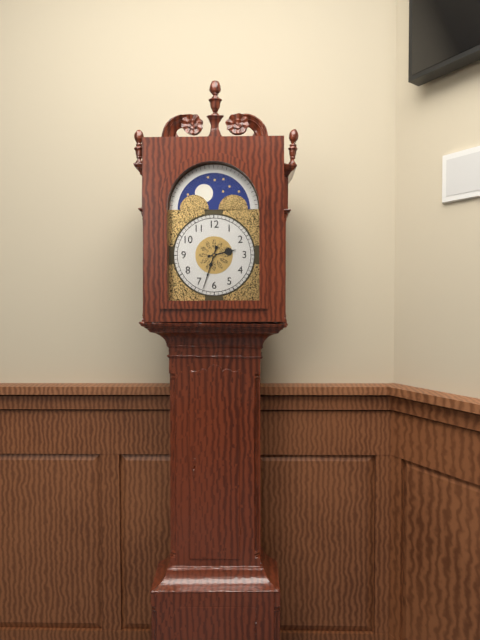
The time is 2:33
